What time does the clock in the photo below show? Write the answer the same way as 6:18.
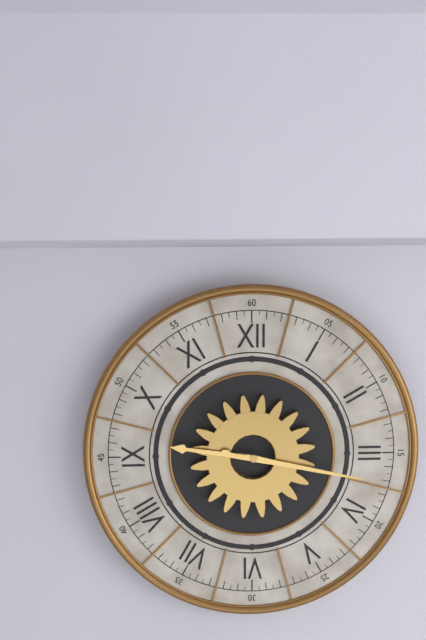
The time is 9:17
